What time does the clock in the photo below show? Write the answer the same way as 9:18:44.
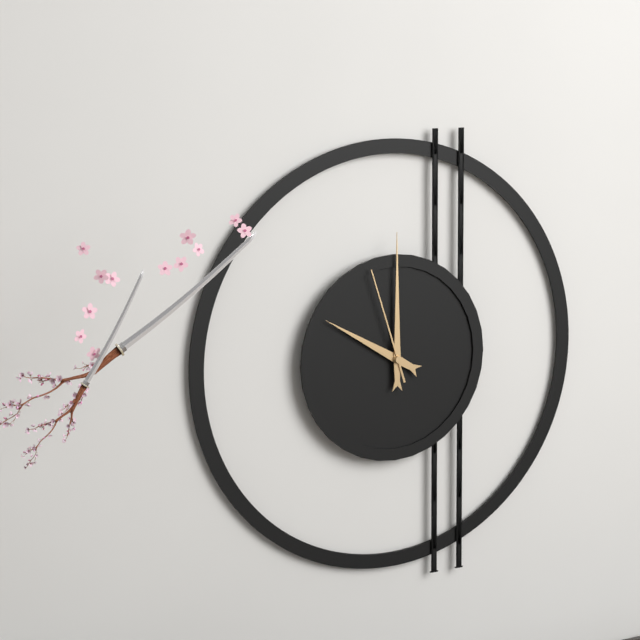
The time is 10:00:57
